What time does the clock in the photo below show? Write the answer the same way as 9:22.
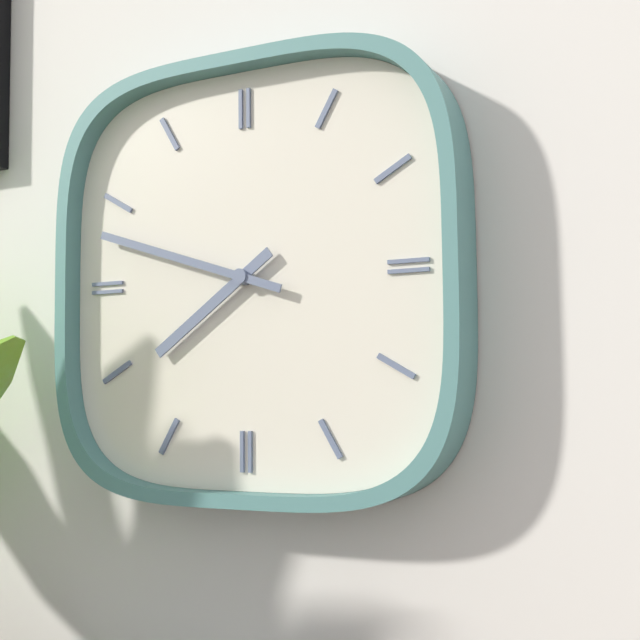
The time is 7:48
